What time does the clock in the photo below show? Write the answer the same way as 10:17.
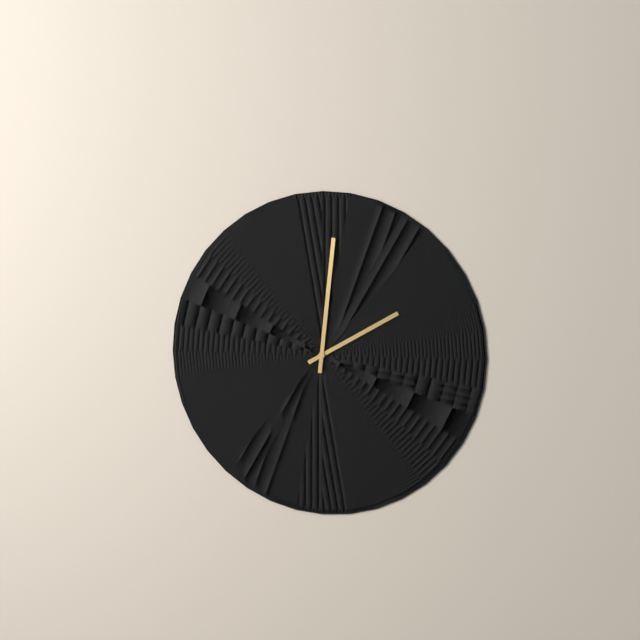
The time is 2:01
